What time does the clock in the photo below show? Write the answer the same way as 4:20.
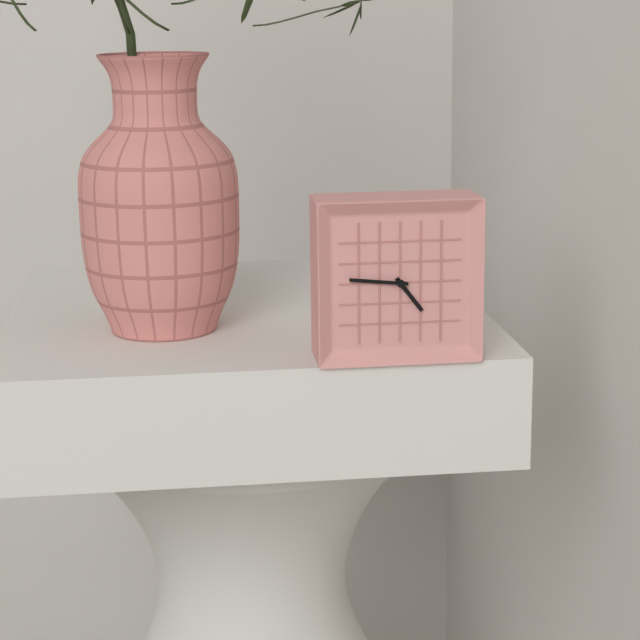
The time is 4:46
